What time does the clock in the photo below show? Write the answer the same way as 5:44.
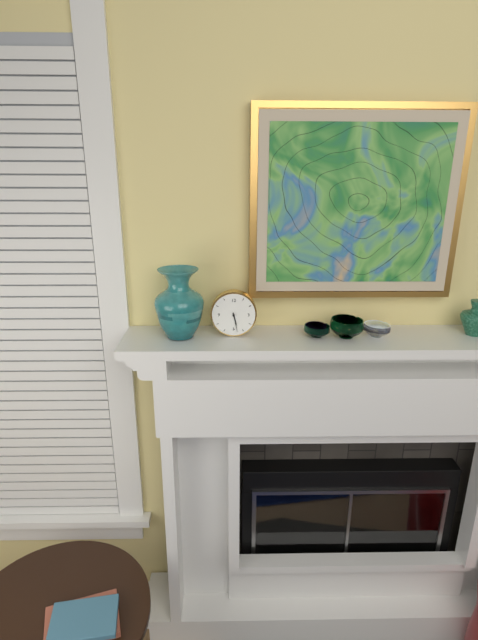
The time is 5:28
